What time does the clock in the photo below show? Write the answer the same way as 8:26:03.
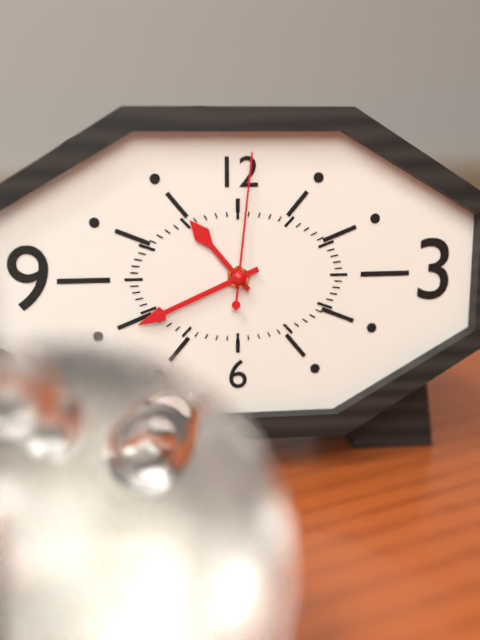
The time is 10:41:01
